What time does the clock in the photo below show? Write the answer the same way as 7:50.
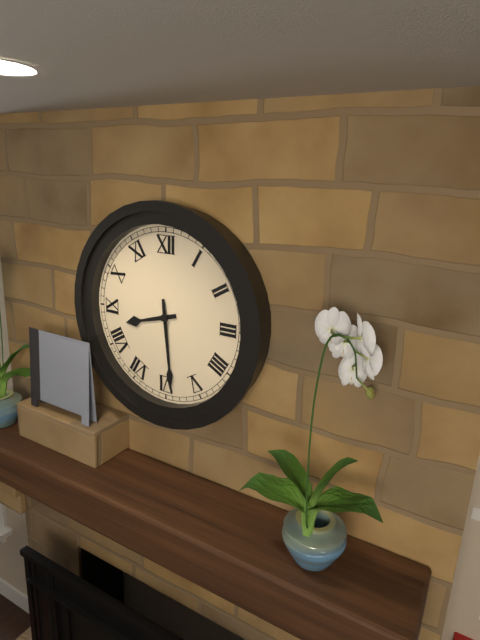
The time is 8:29
